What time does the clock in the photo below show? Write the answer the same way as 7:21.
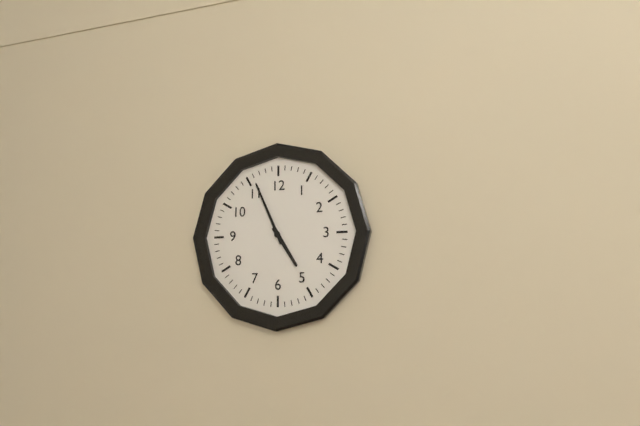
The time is 4:56
